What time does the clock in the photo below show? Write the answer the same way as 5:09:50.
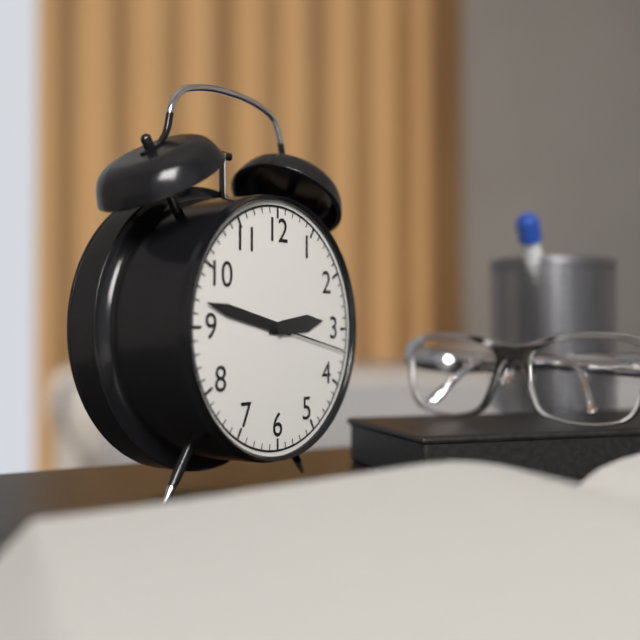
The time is 2:47:17
